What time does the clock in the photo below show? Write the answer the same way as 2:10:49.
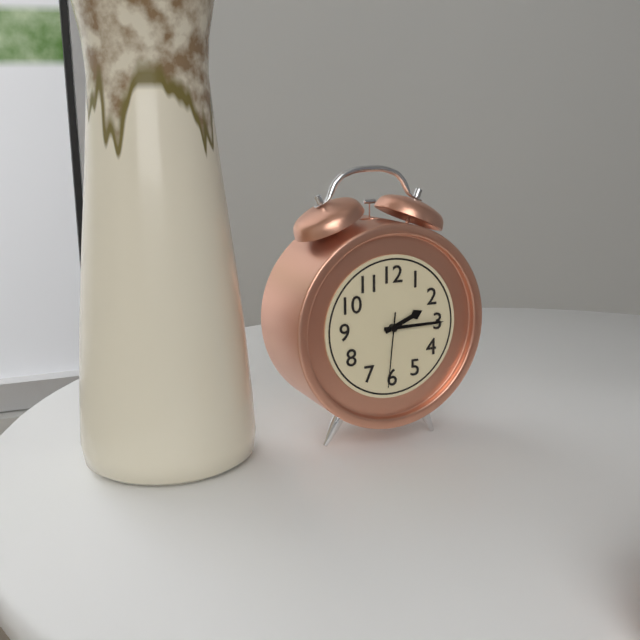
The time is 2:15:31
